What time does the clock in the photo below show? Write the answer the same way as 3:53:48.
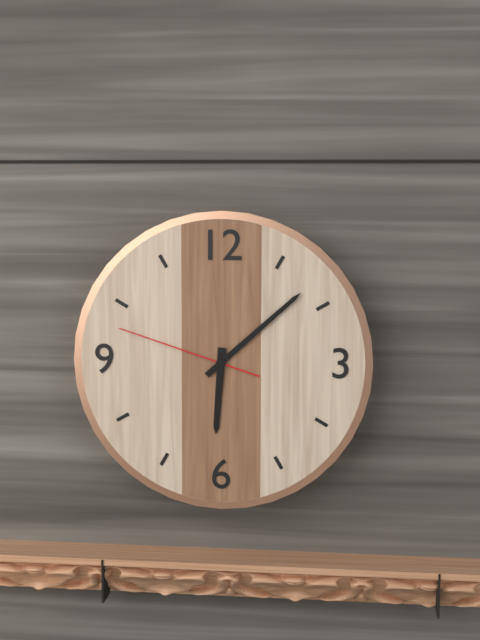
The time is 6:08:48
